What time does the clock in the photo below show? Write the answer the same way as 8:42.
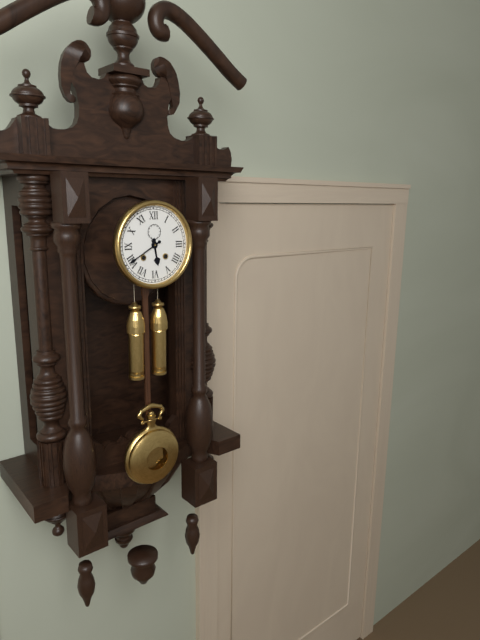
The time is 5:40
